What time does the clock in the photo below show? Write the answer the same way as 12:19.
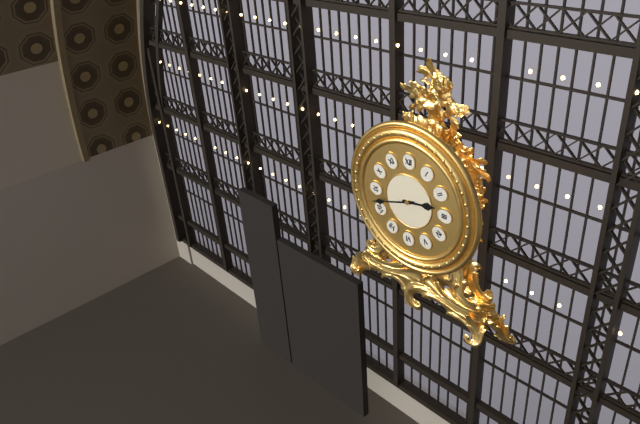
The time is 2:42
